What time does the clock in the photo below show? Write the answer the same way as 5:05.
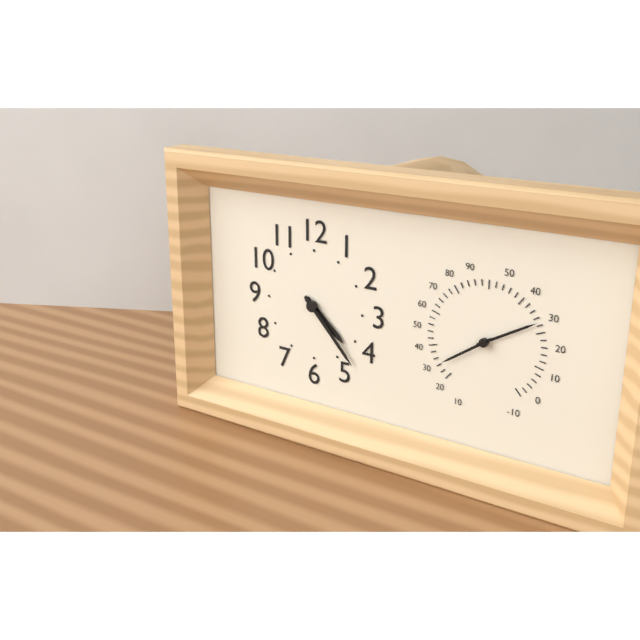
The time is 4:23
